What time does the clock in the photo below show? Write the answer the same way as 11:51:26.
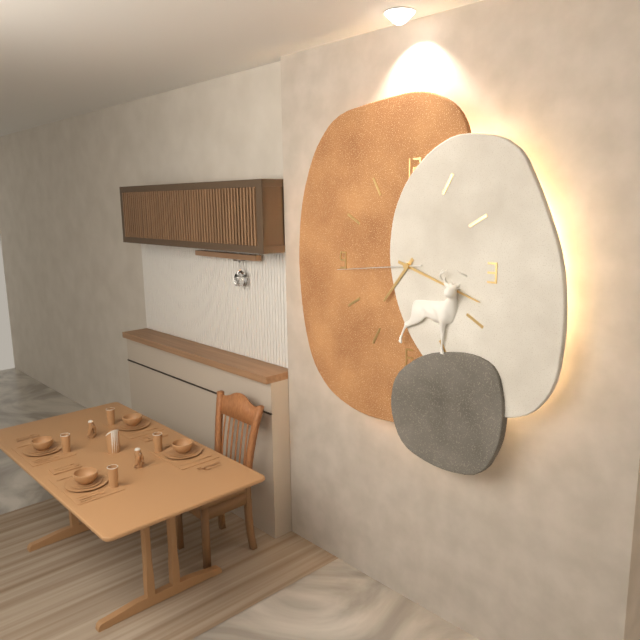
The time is 7:18:44
